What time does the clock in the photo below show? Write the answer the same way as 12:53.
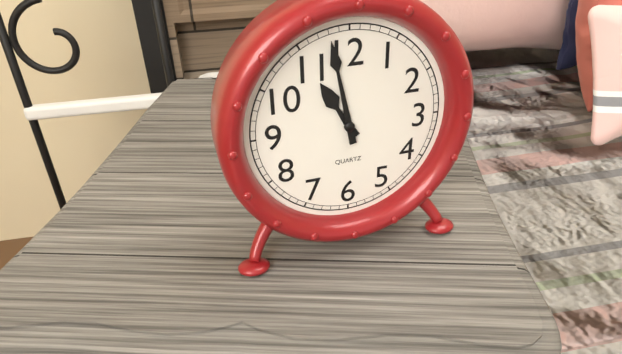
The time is 10:58
